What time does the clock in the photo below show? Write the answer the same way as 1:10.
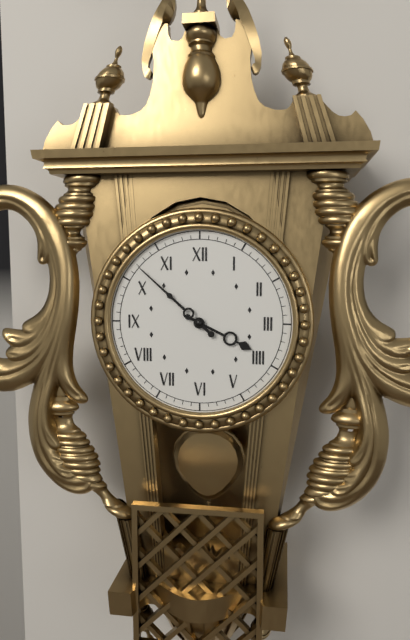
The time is 3:52
